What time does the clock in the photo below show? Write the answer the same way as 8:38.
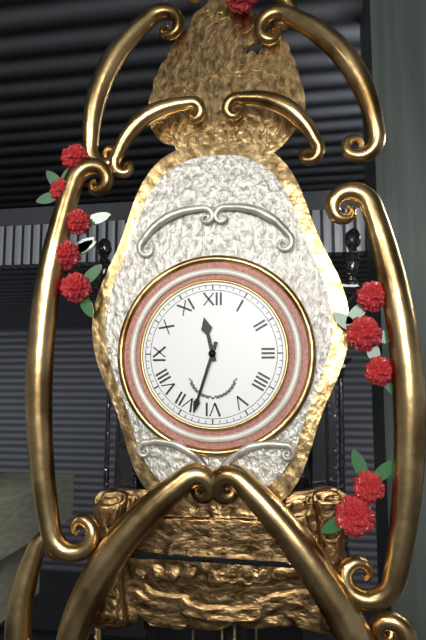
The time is 11:33
